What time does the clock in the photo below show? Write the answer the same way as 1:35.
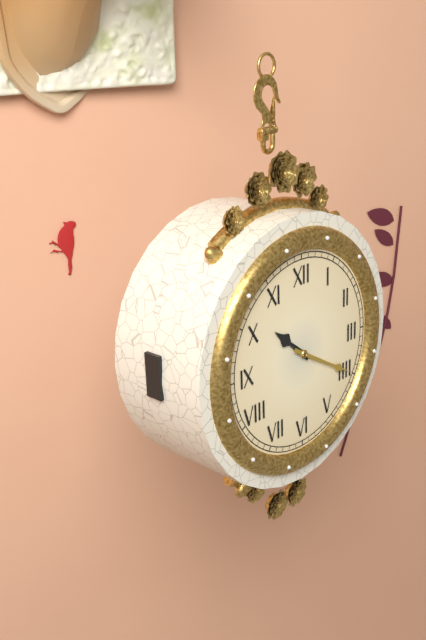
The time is 10:20
